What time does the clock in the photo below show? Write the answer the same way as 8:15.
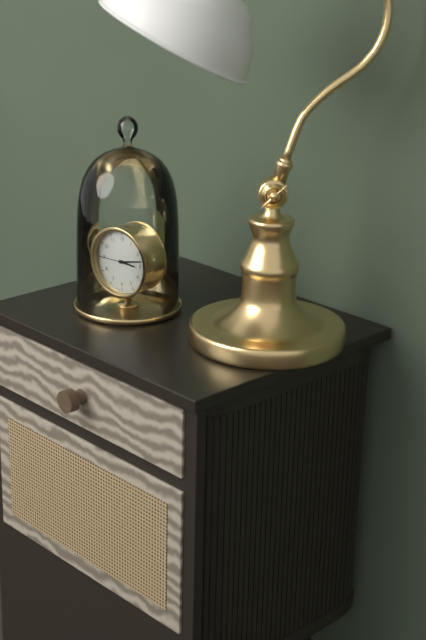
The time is 3:13
